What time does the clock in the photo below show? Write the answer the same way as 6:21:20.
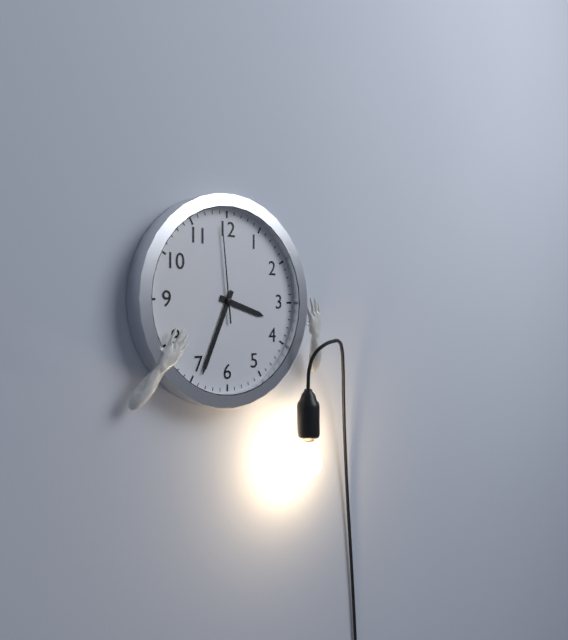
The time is 3:34:59
